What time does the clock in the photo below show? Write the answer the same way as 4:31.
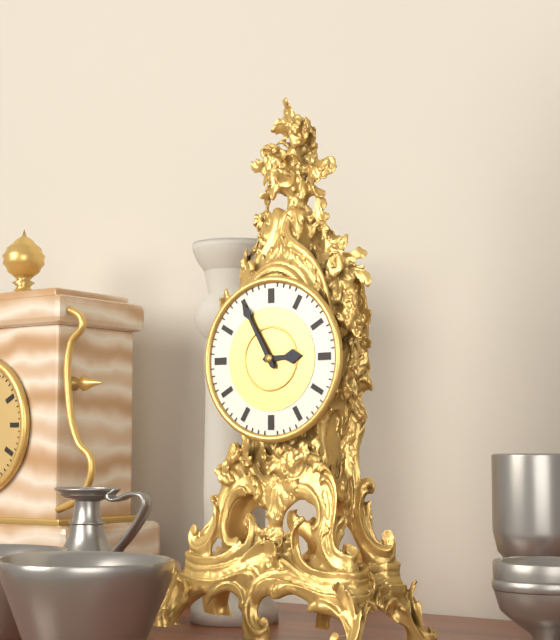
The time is 2:55
